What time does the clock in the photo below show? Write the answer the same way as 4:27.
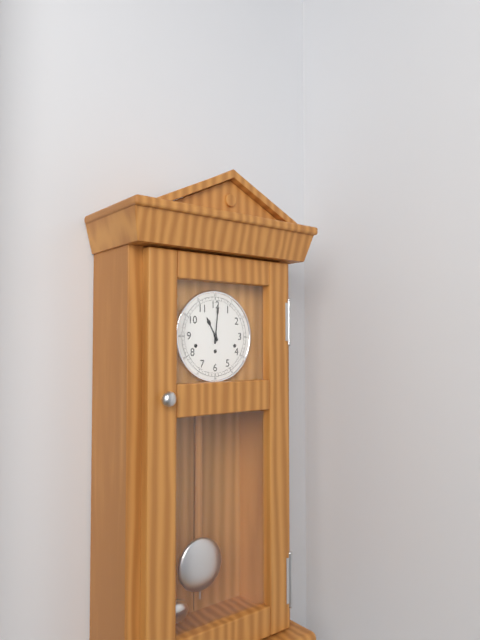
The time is 11:01
